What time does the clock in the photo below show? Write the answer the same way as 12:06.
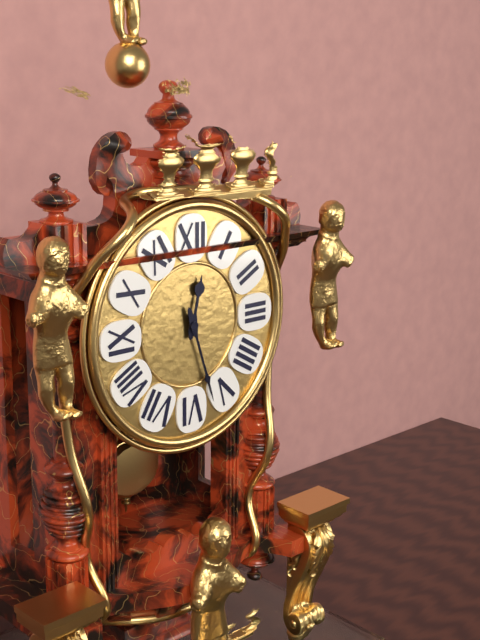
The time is 12:27
